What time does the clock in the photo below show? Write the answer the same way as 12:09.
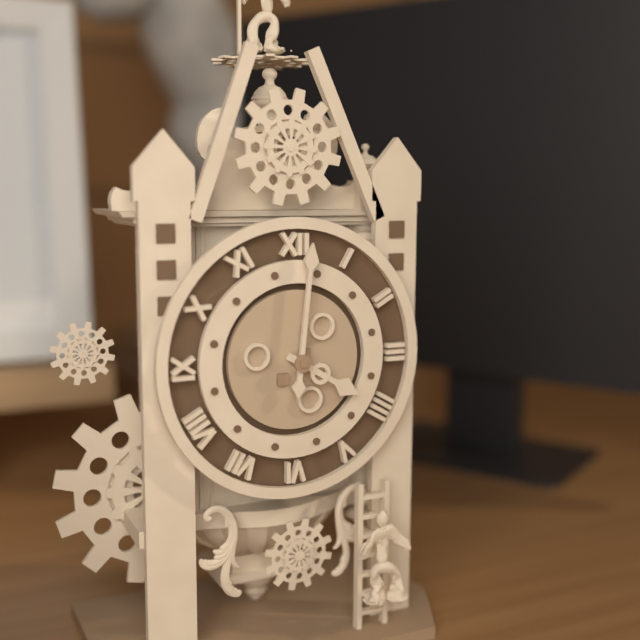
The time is 4:01
